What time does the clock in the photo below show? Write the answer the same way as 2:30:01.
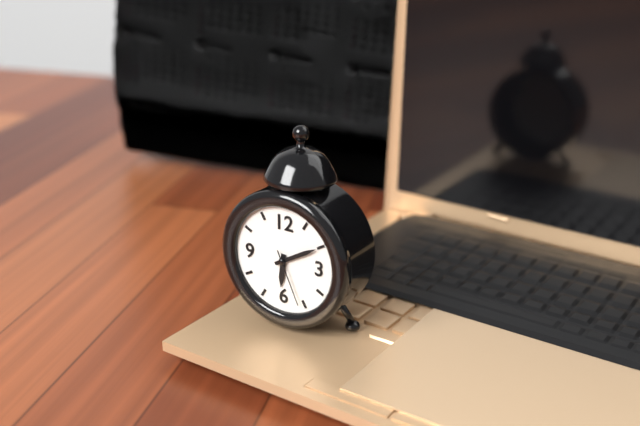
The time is 6:10:26
